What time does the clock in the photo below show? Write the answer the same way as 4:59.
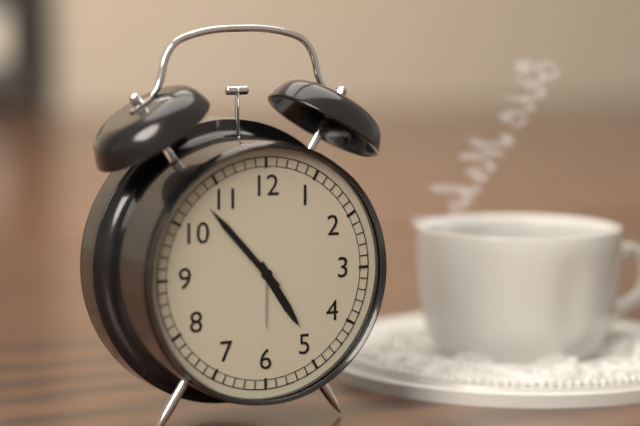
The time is 4:53
